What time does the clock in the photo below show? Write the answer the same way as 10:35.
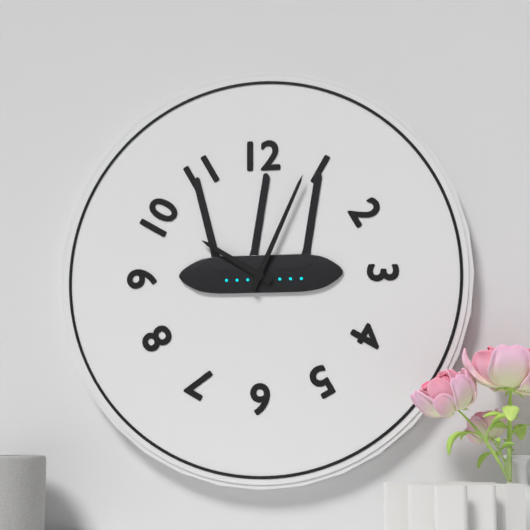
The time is 10:04
